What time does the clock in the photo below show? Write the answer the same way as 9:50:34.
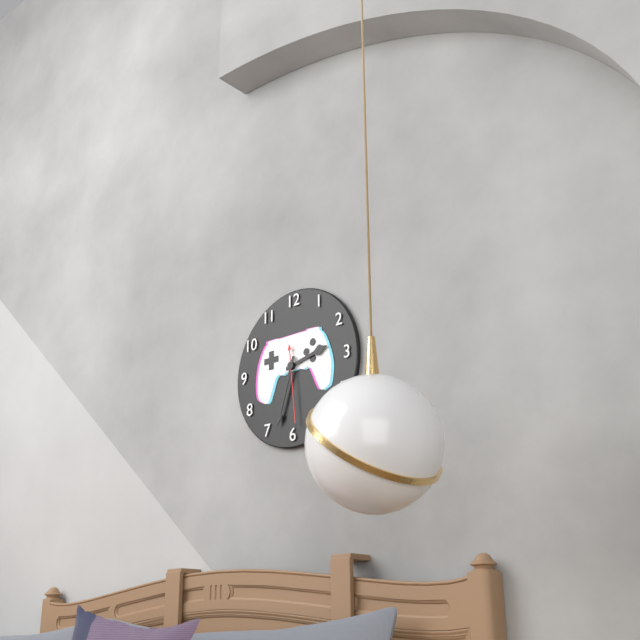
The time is 2:33:29
